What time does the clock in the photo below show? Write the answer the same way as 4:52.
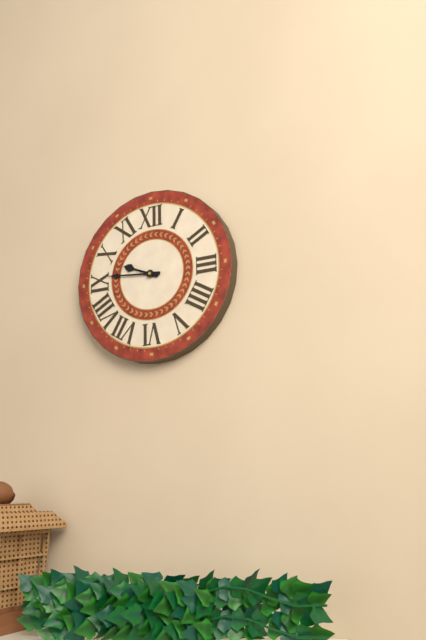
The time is 9:46
